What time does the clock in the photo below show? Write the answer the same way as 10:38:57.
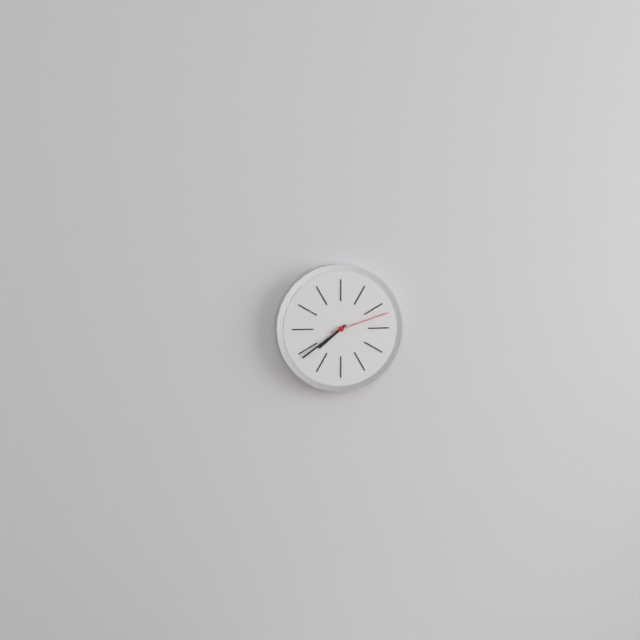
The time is 7:39:12
